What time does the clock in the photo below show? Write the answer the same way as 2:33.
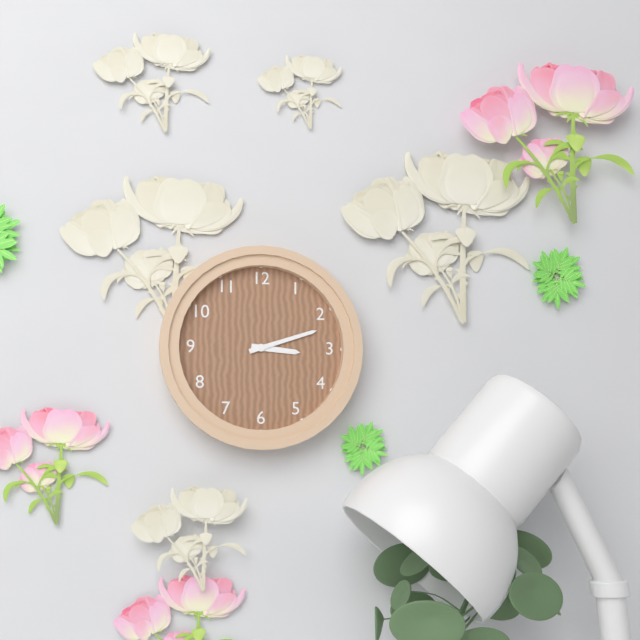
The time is 3:12
